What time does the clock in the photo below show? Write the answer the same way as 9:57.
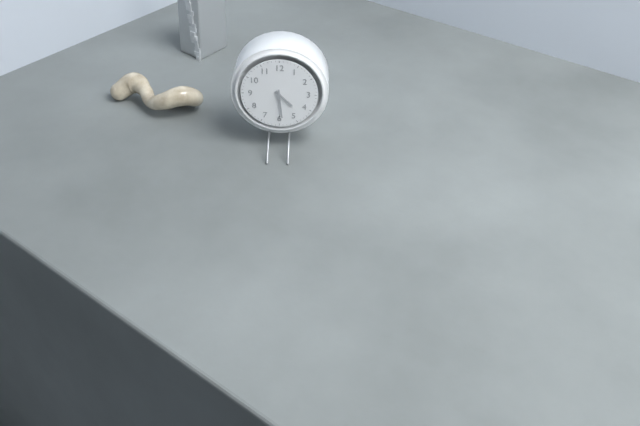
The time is 4:29
